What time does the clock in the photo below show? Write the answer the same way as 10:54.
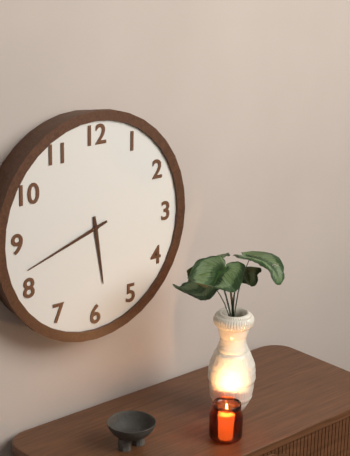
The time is 5:42
